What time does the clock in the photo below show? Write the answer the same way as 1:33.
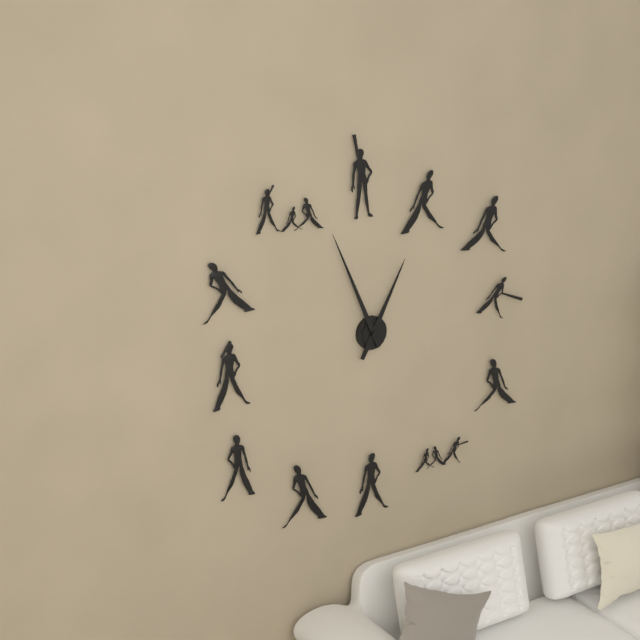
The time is 12:56
